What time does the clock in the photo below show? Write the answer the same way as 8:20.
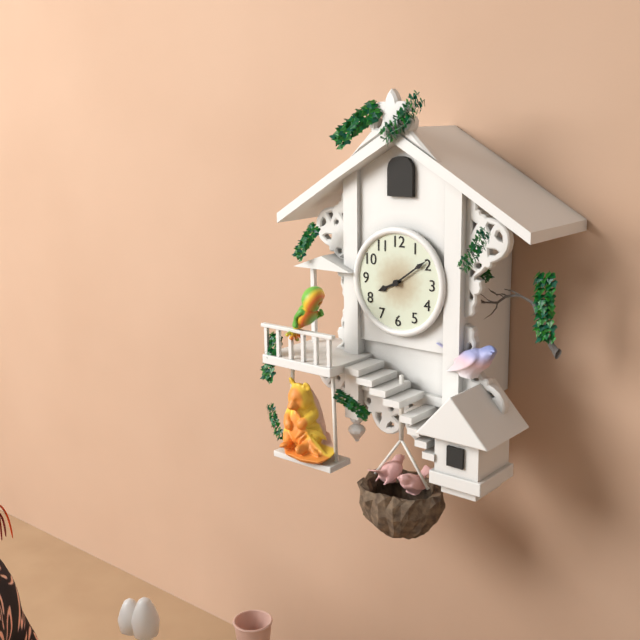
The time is 8:09
